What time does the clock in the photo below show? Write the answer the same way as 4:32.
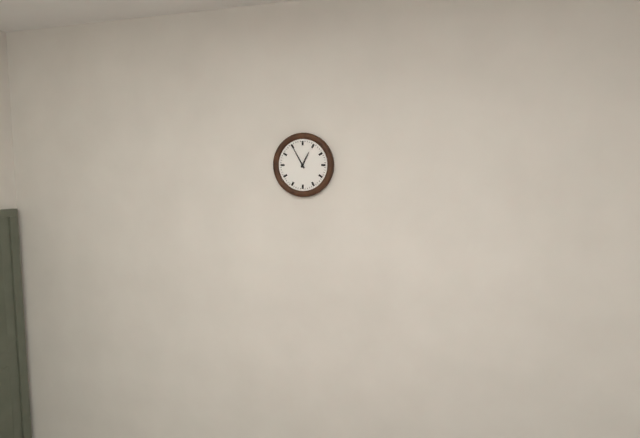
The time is 12:55
